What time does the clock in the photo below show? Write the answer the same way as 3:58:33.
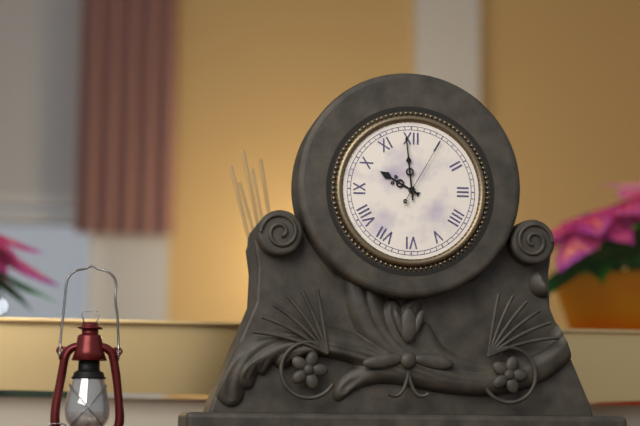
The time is 9:59:05
